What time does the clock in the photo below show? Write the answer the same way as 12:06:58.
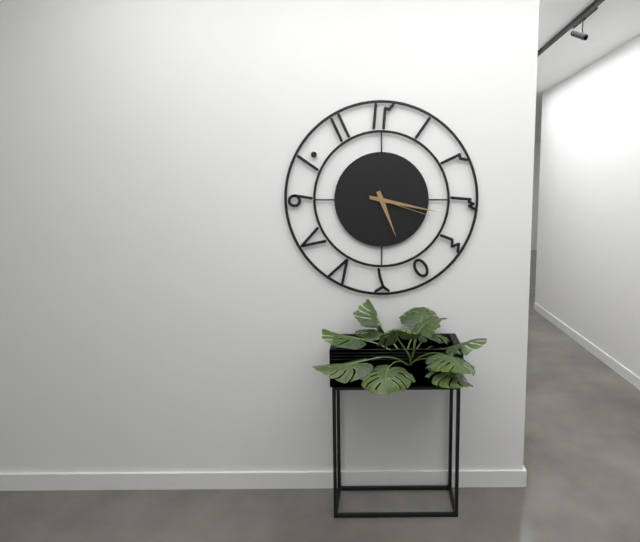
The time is 5:17:18
